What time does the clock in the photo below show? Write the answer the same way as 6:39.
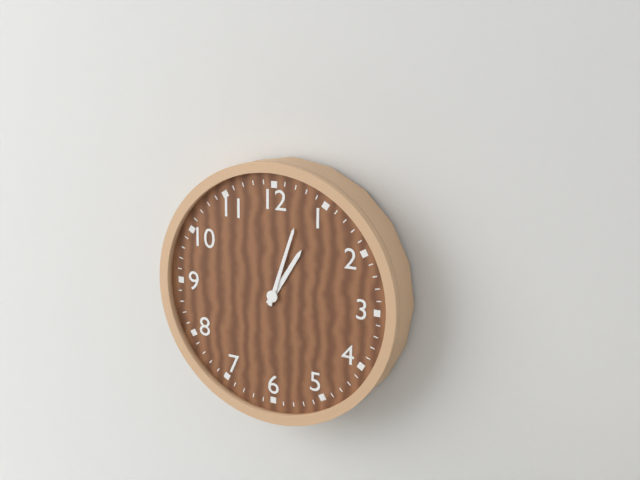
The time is 1:03
